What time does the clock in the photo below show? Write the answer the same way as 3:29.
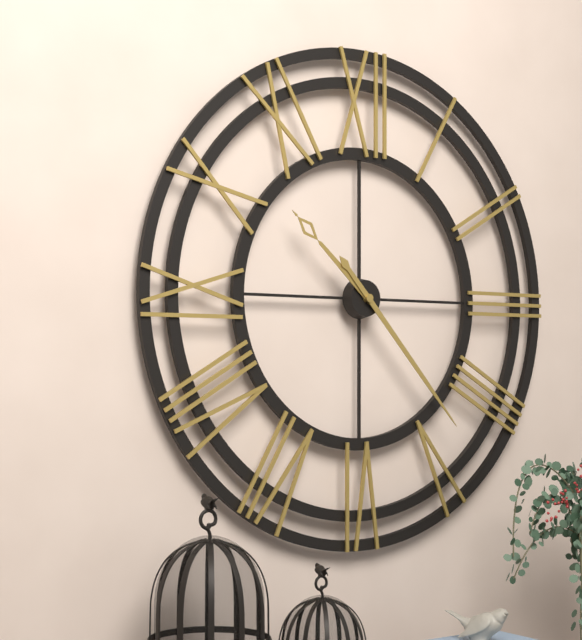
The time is 10:23
